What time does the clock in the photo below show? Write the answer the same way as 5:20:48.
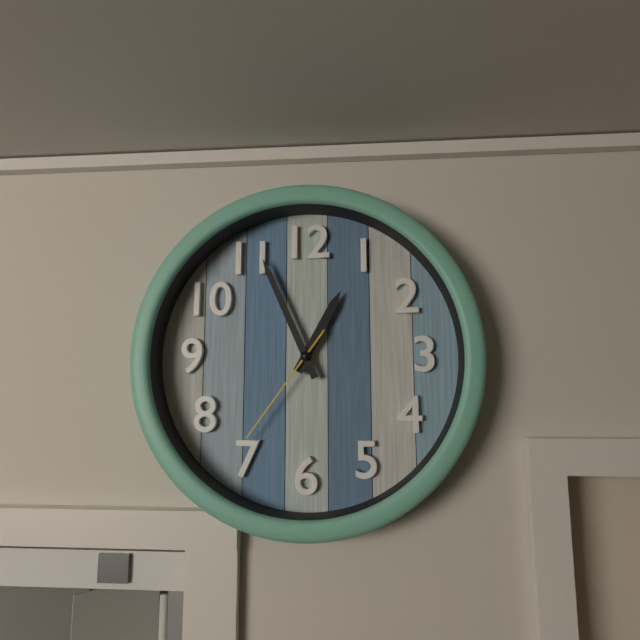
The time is 12:56:36
